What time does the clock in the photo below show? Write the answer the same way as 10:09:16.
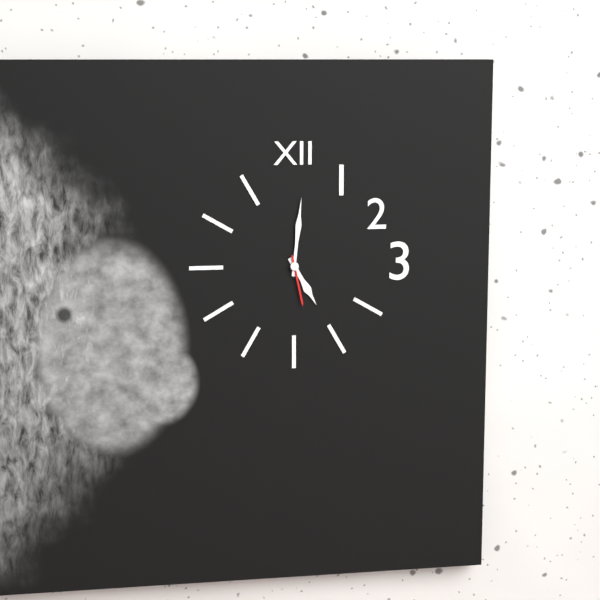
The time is 5:01:28
